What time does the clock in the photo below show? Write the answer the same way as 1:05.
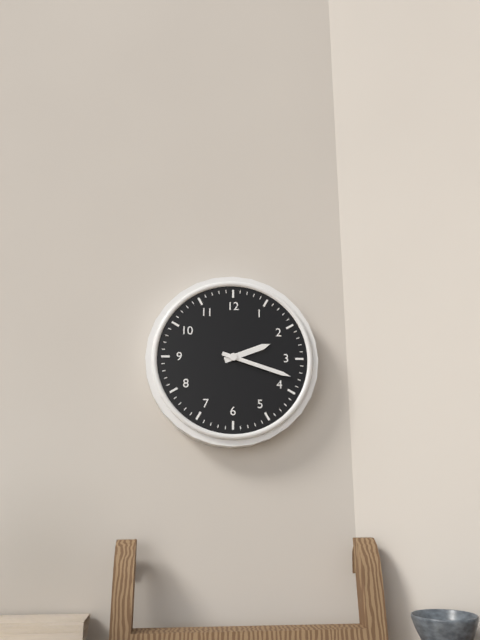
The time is 2:18
